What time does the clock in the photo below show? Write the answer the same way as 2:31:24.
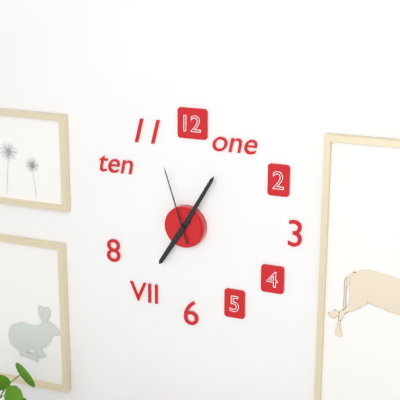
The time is 7:05:57
